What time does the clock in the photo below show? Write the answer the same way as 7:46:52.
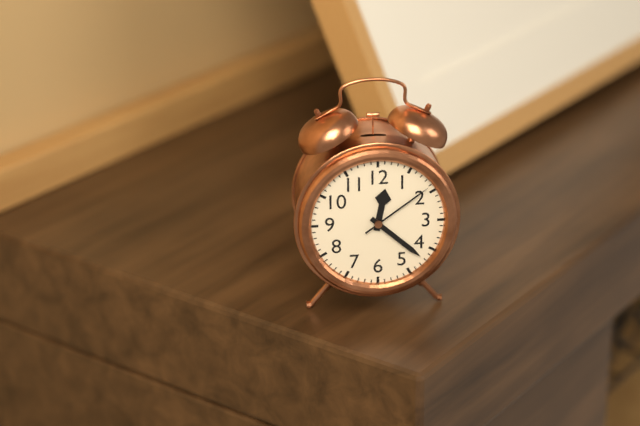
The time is 12:22:09
